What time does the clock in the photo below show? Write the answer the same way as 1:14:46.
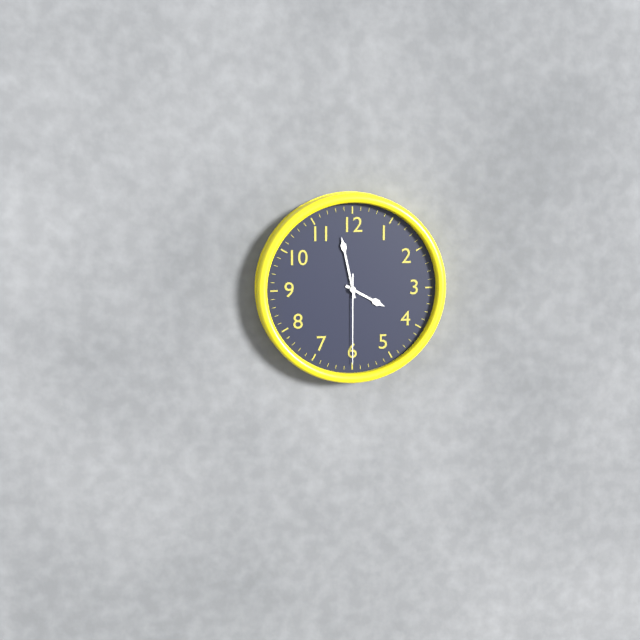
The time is 3:58:30
